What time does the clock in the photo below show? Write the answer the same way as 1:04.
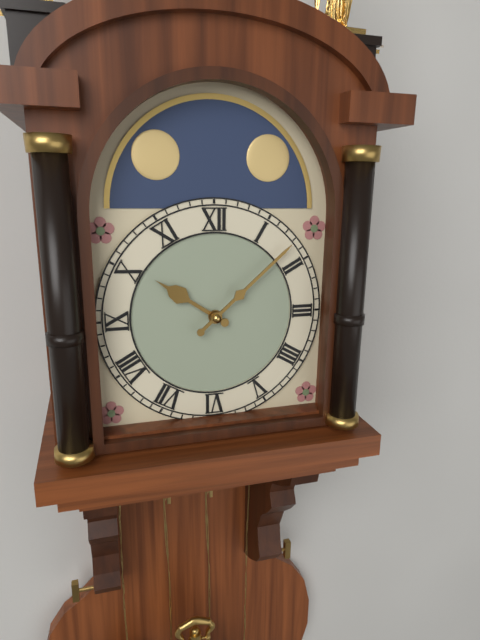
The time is 10:08
